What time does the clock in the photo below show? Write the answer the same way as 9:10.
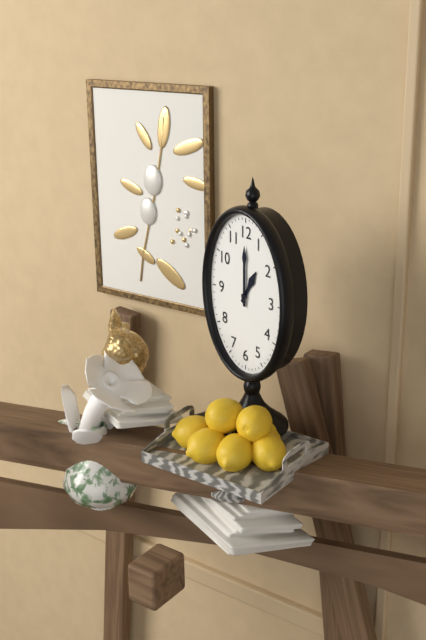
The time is 1:00
